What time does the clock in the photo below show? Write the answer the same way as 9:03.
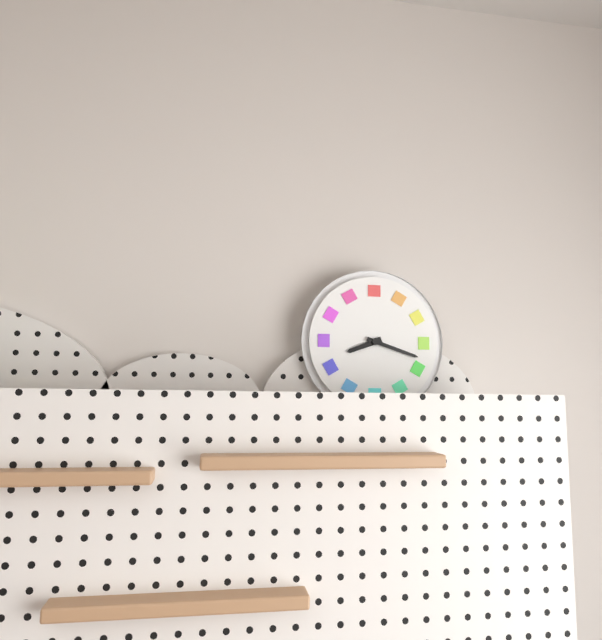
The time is 8:18
